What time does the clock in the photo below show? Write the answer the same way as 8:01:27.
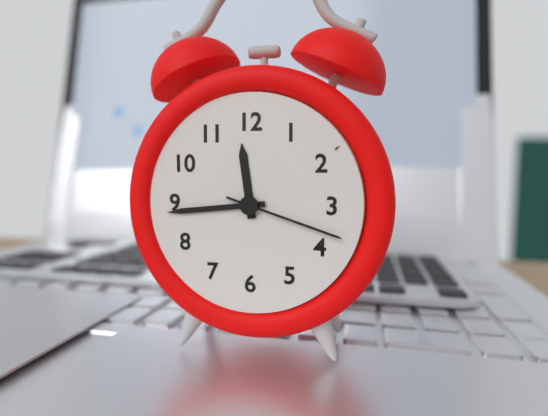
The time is 11:44:18
